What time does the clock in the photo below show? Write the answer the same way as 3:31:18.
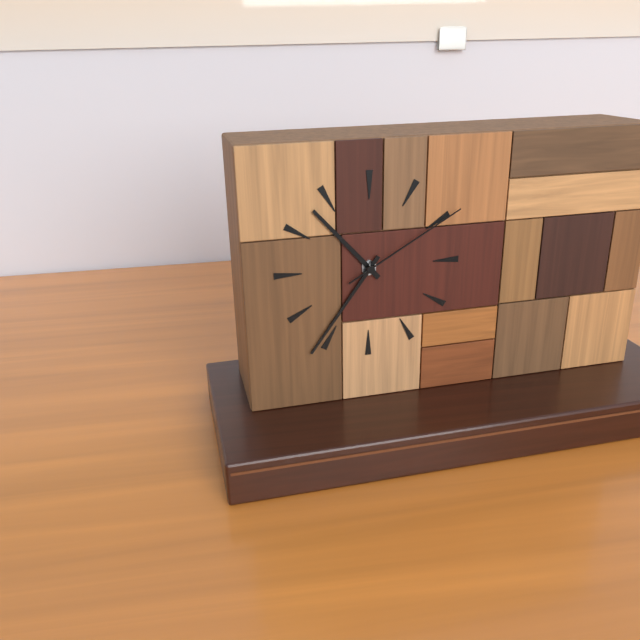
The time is 10:36:10
